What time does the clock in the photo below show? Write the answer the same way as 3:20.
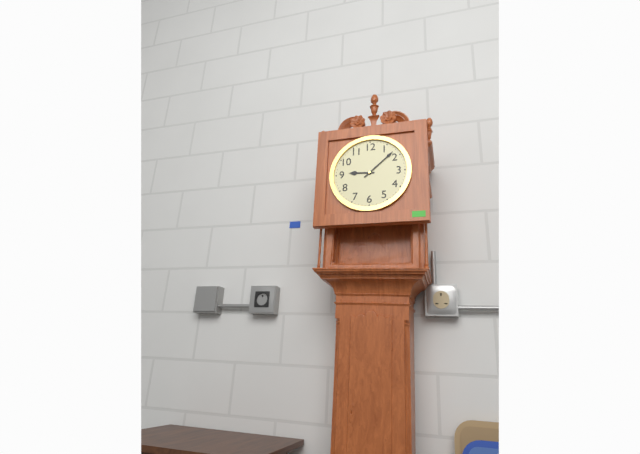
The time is 9:08
